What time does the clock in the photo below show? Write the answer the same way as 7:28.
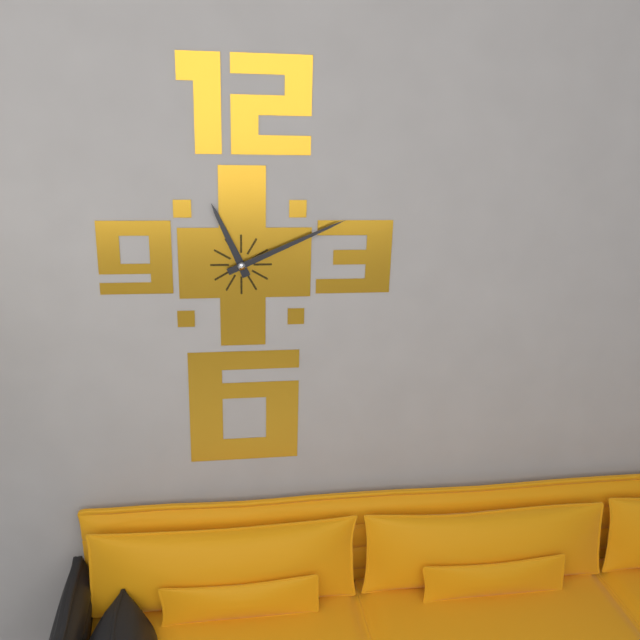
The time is 11:11
